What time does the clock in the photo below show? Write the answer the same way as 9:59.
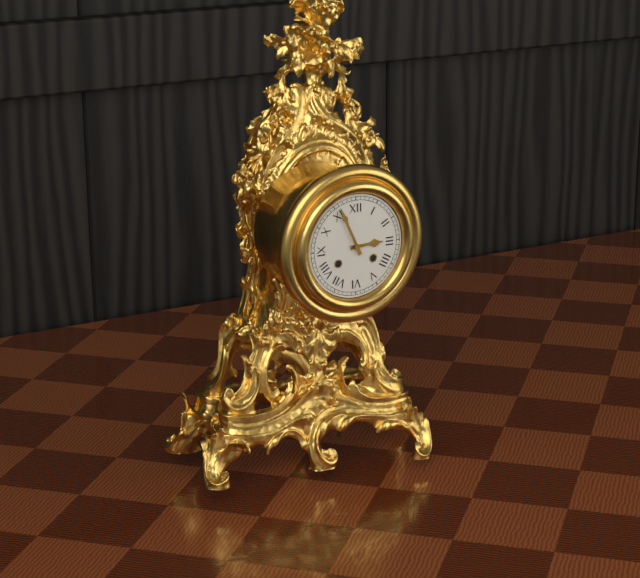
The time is 2:56
